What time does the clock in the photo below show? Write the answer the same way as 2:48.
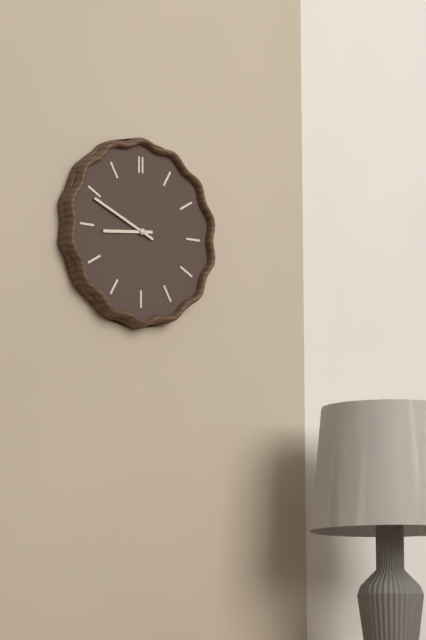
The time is 8:49
